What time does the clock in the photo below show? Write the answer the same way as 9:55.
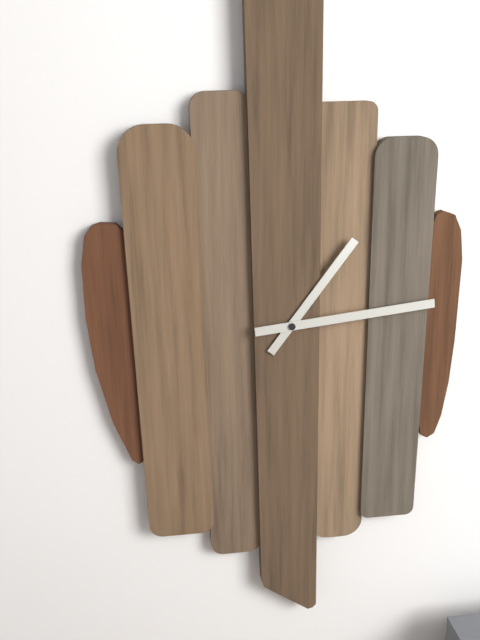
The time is 1:14
